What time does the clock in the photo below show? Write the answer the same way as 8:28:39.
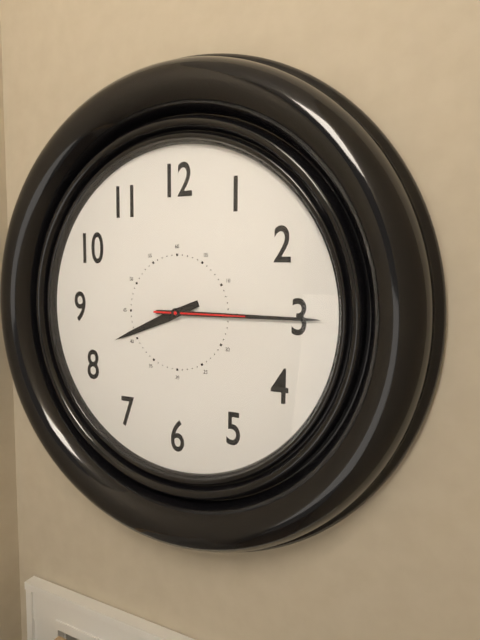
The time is 8:15:15
